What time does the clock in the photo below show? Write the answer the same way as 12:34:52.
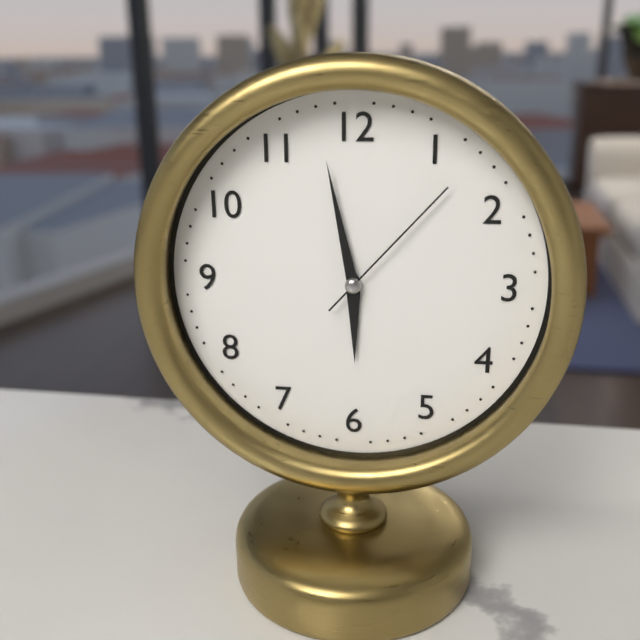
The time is 5:58:07
